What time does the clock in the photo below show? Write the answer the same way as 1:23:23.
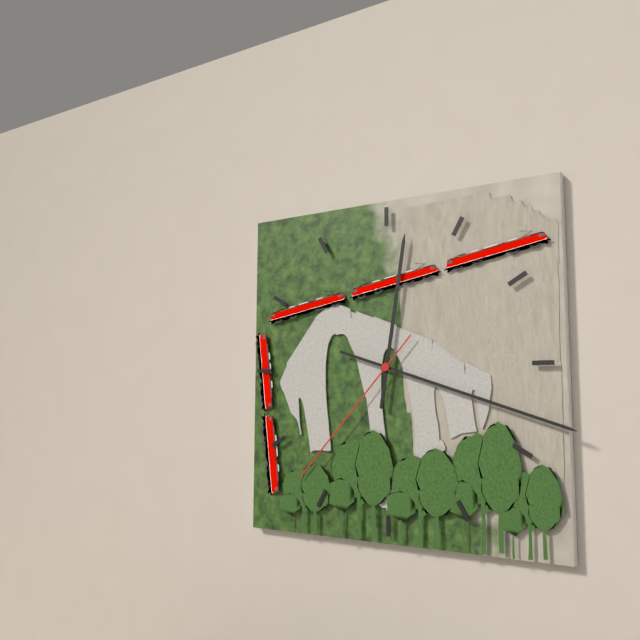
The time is 12:18:37
